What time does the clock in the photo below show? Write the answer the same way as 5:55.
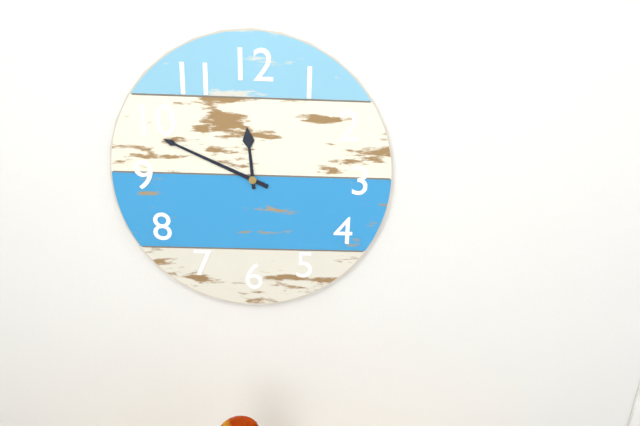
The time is 11:49
